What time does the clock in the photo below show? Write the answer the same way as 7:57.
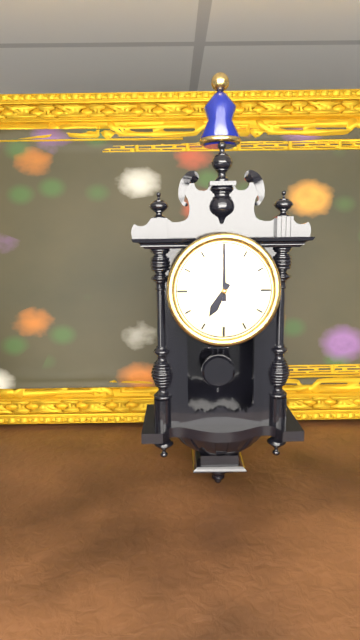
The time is 7:00
